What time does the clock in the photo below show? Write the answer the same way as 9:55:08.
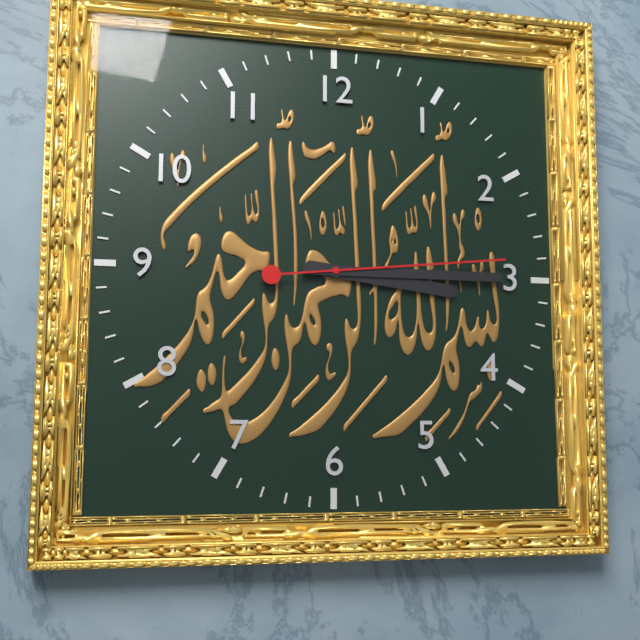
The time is 3:15:14
